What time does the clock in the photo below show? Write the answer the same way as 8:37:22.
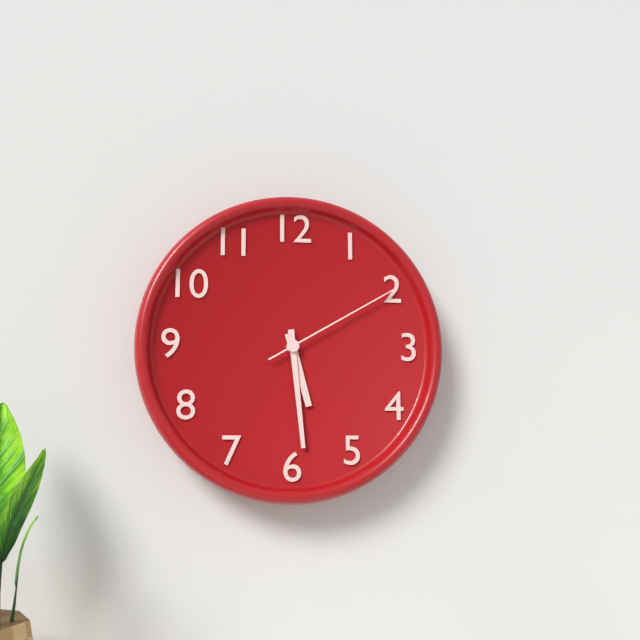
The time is 5:29:10
